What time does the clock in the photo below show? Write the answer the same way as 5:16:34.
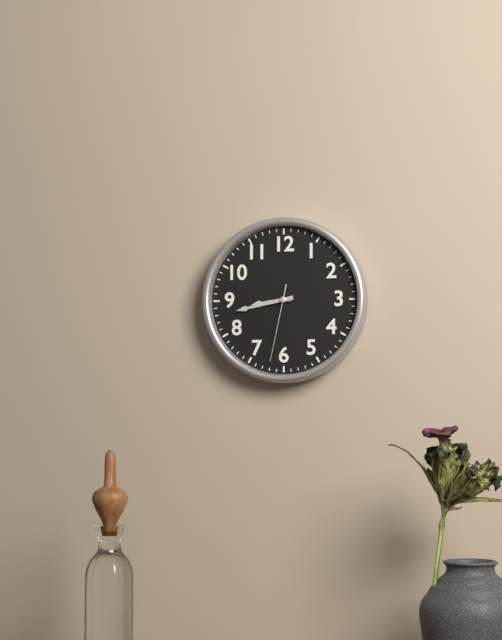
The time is 8:43:32
